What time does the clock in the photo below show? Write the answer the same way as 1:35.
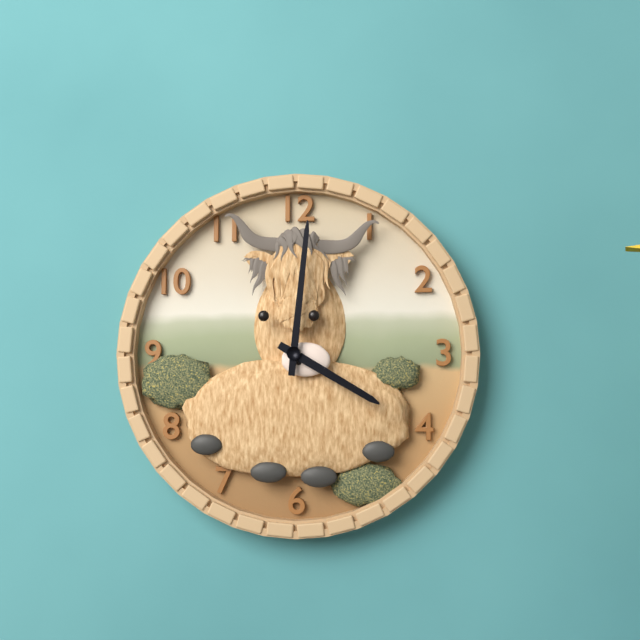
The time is 4:01
